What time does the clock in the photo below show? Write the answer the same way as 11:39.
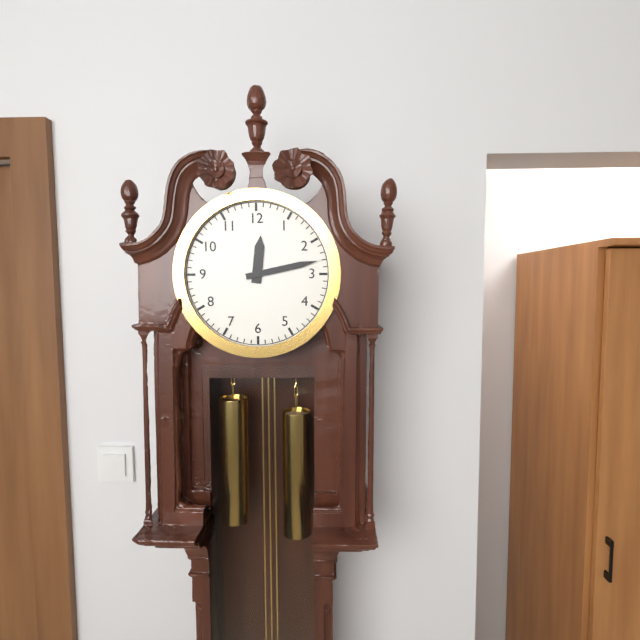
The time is 12:13
